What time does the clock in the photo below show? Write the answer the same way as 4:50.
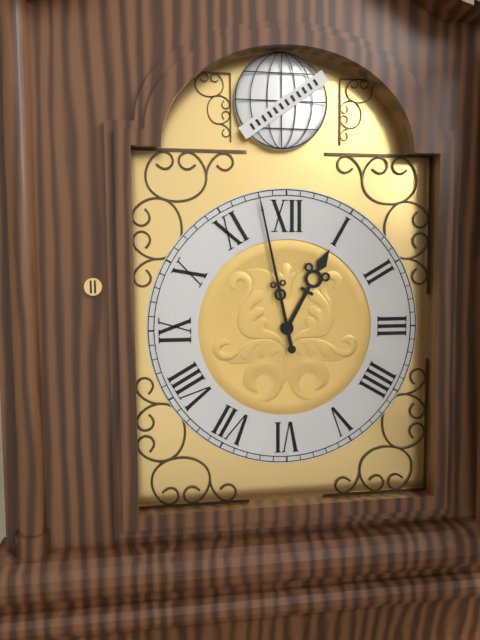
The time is 12:58
